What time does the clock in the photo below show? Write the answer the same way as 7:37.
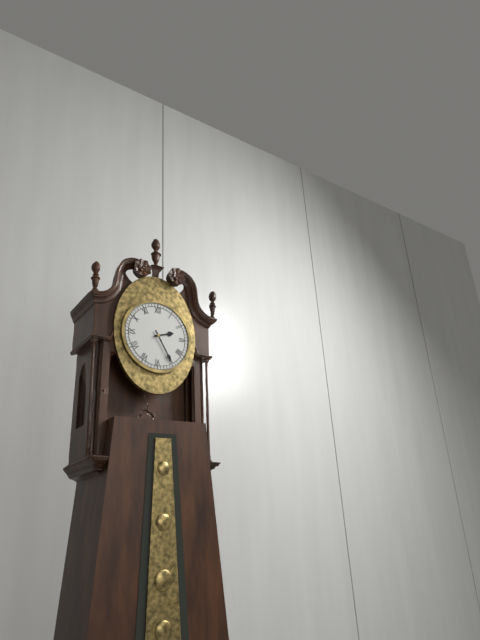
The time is 2:25
